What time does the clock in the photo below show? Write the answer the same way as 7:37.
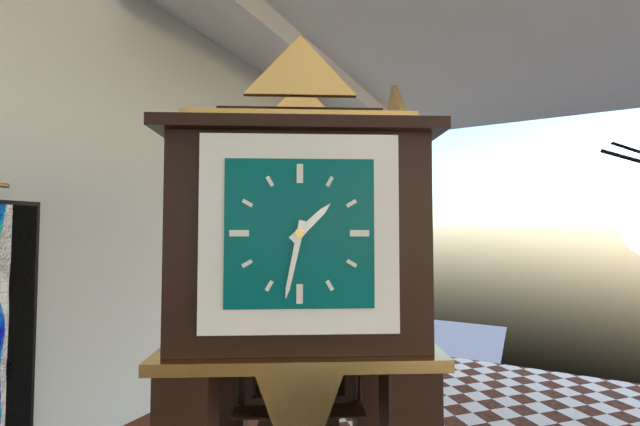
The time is 1:32
